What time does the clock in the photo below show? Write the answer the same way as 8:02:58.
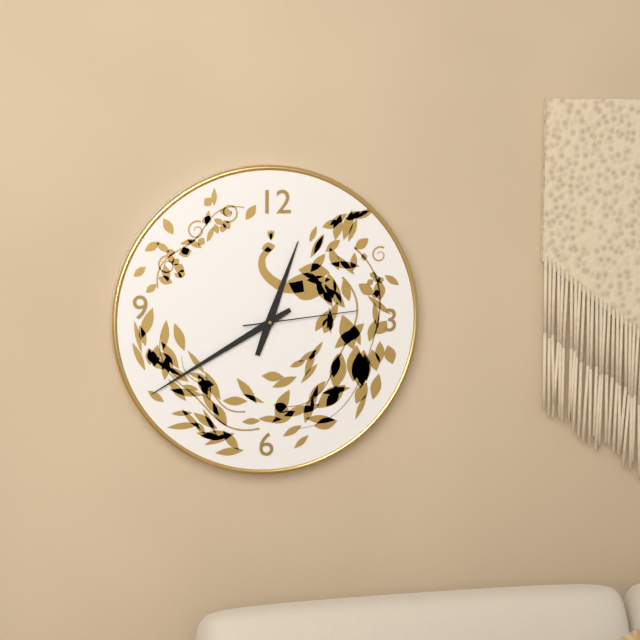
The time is 12:40:14
